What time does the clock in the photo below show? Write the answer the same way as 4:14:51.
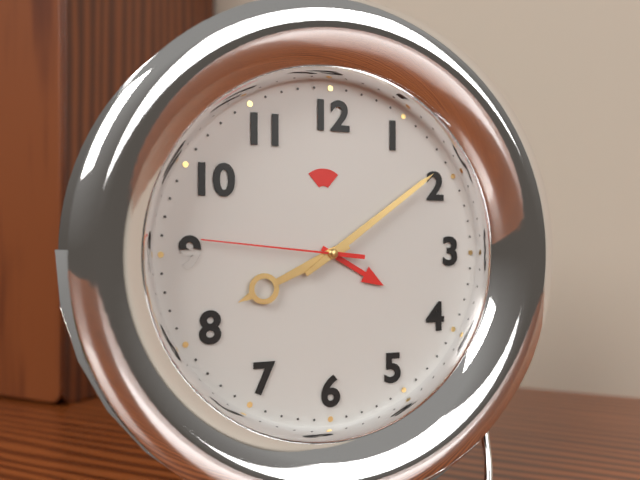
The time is 8:09:46
